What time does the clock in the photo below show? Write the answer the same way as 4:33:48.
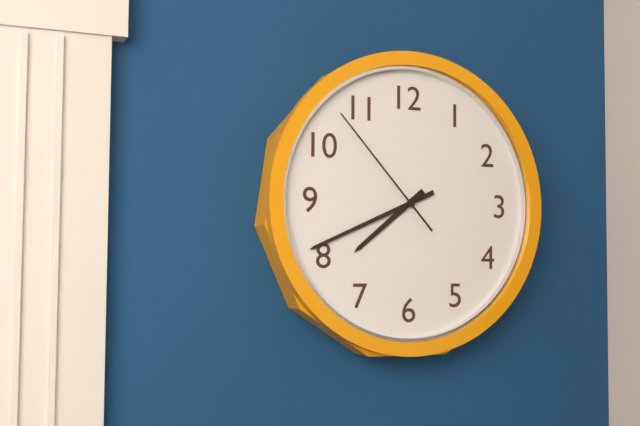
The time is 7:41:53
